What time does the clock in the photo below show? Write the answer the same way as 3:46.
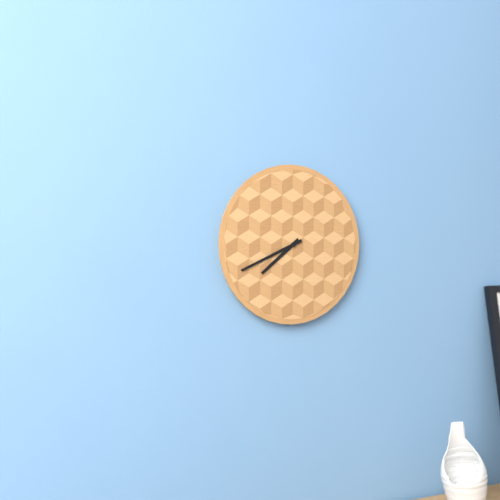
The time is 7:41
